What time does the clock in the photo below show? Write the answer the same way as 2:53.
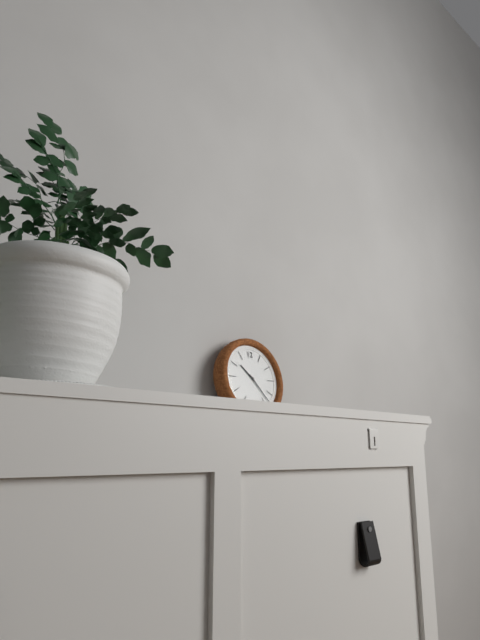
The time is 10:23
